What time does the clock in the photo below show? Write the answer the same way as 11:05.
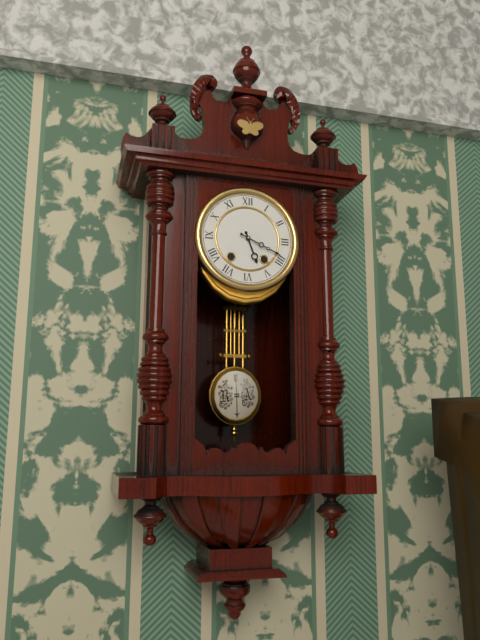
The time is 5:19
